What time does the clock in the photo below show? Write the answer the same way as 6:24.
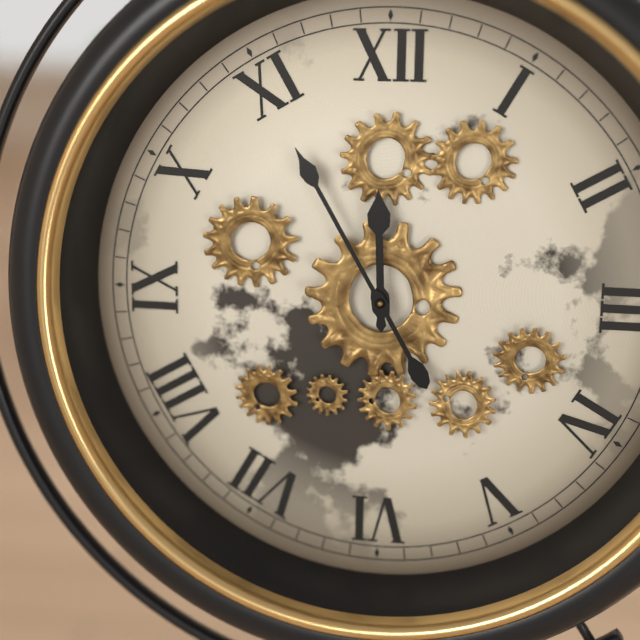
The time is 11:55
